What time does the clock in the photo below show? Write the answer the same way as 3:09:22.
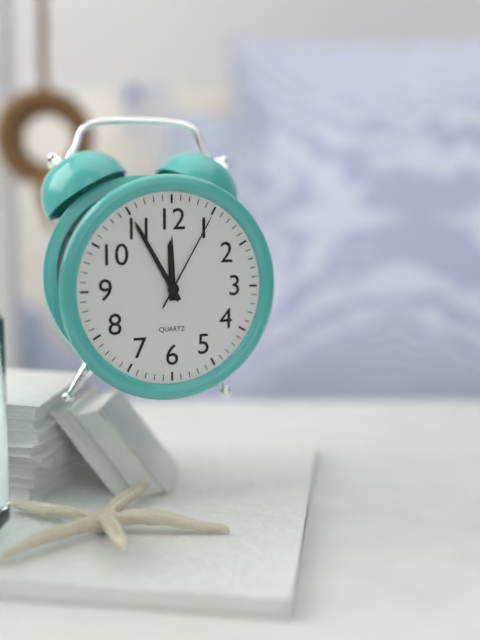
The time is 11:55:05
